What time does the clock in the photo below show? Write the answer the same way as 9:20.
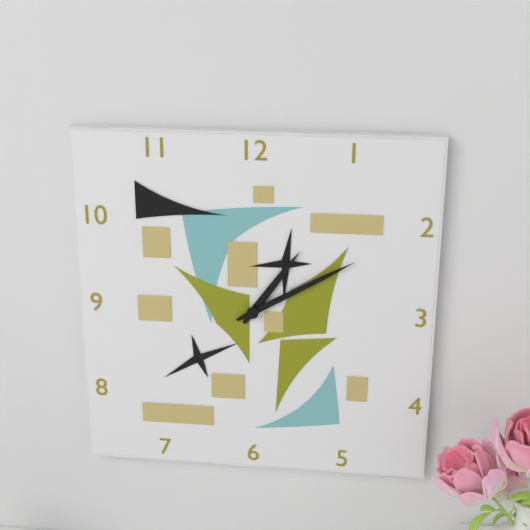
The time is 1:10
